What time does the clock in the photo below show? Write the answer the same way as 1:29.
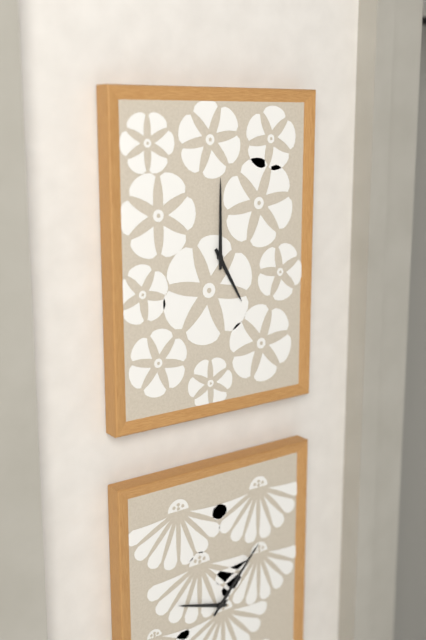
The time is 5:00
